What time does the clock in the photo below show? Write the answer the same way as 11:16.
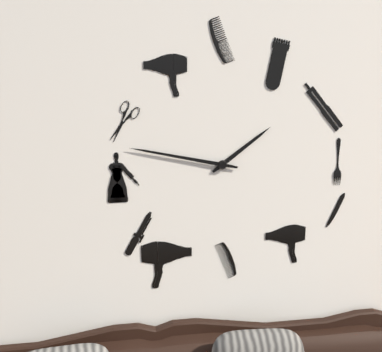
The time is 1:47
